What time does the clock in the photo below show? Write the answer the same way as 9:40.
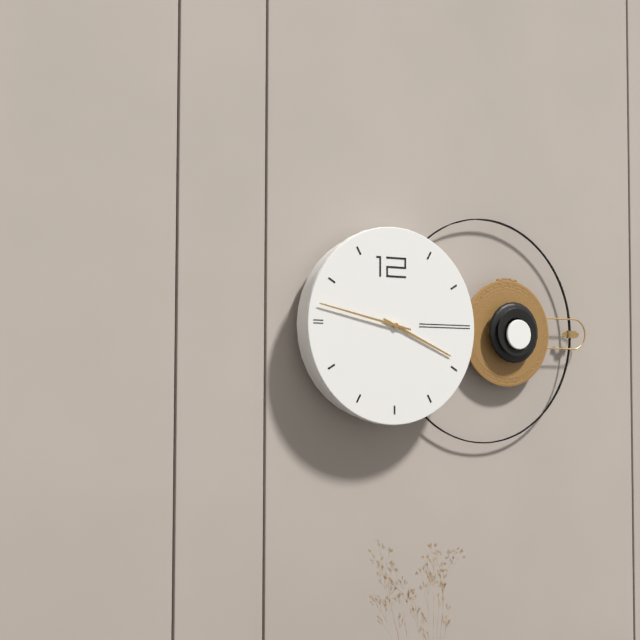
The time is 3:47
